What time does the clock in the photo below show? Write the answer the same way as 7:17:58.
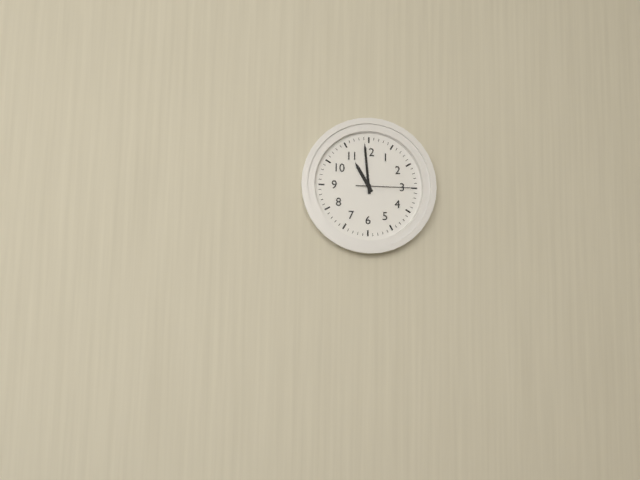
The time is 10:59:15
